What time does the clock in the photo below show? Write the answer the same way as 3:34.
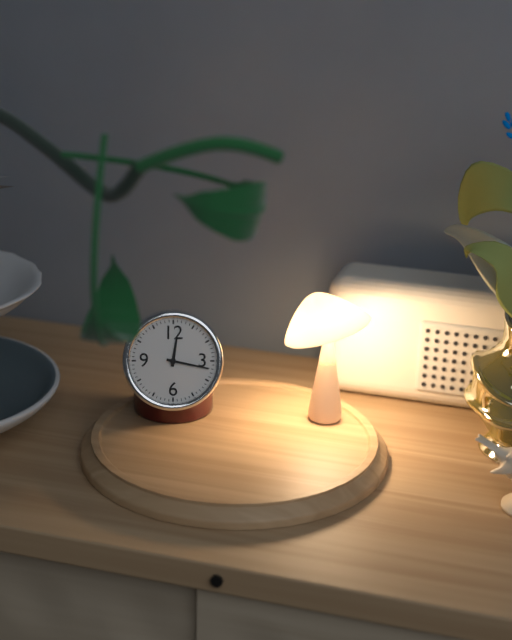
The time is 12:17
